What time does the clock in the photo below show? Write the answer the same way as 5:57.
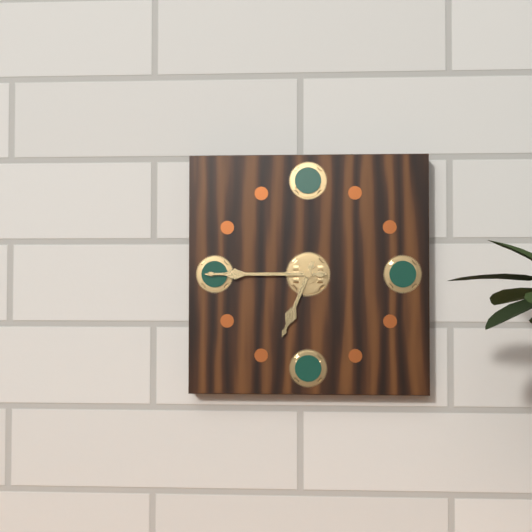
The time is 6:45
